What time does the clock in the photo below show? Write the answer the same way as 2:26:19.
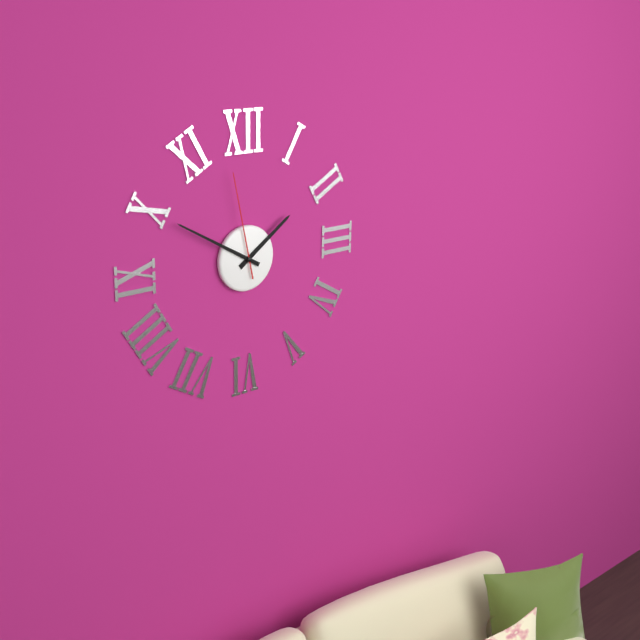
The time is 1:50:58
